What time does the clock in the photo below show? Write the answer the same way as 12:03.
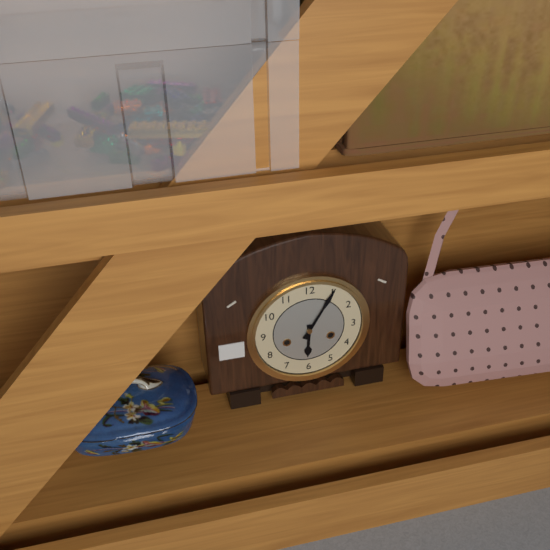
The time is 6:05
